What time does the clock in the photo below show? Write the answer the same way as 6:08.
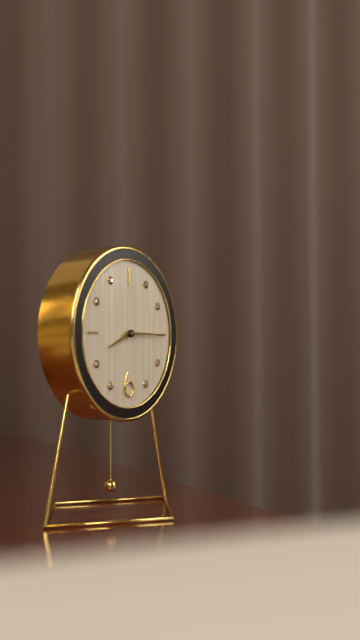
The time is 8:15
